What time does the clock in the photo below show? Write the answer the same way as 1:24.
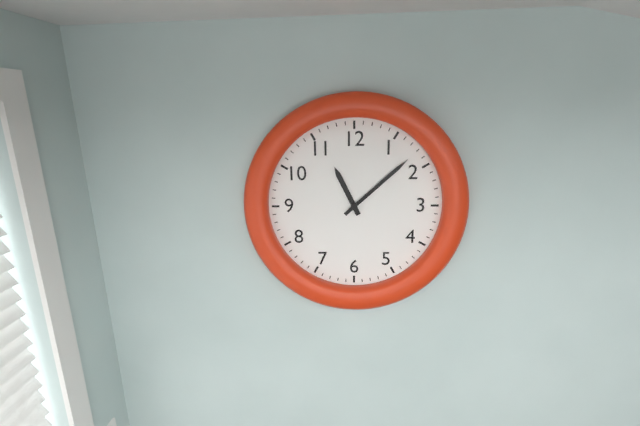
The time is 11:08
